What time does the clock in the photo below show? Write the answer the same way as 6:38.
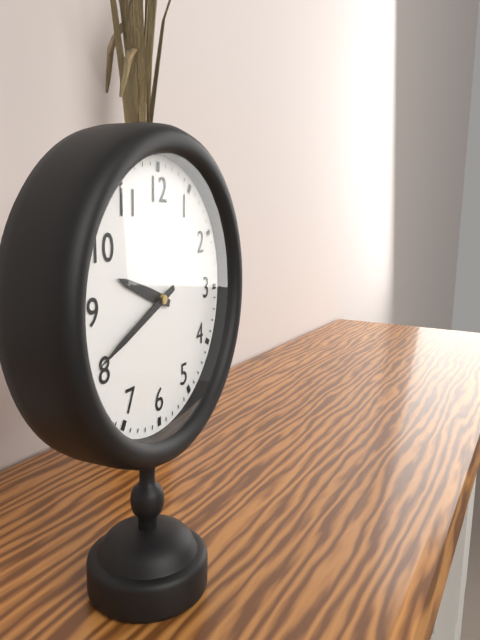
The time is 9:41
